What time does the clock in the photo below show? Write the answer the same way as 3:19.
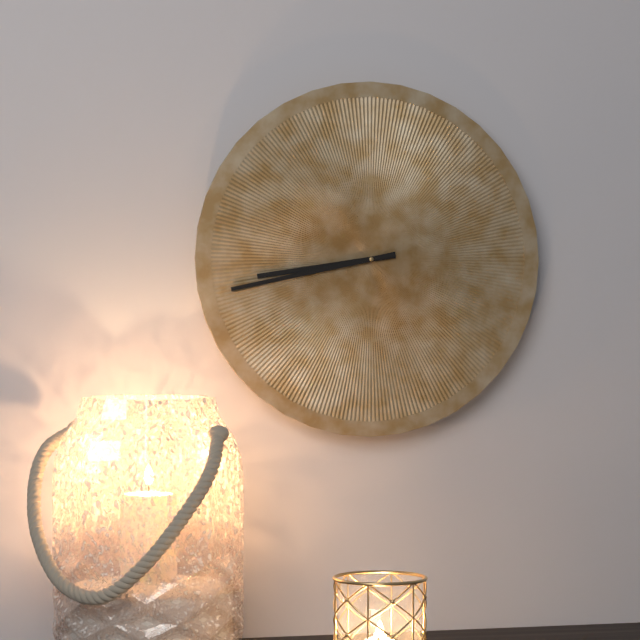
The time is 8:43
